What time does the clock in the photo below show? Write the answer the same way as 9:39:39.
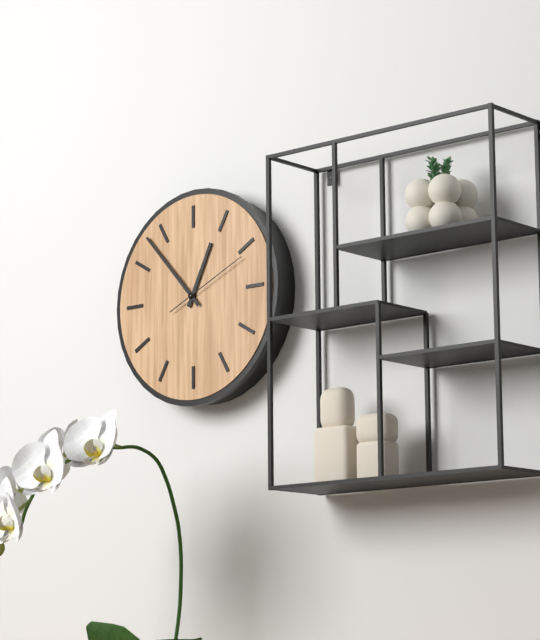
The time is 12:53:11
